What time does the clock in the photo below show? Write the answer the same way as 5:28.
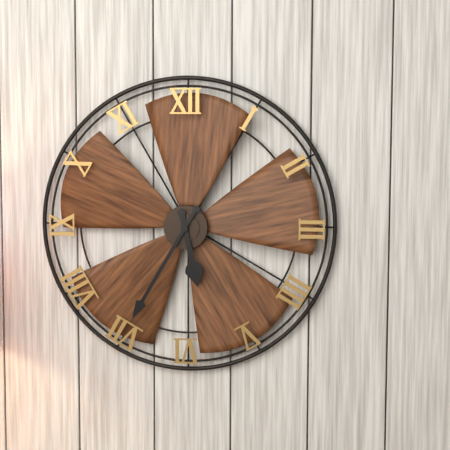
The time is 5:35
